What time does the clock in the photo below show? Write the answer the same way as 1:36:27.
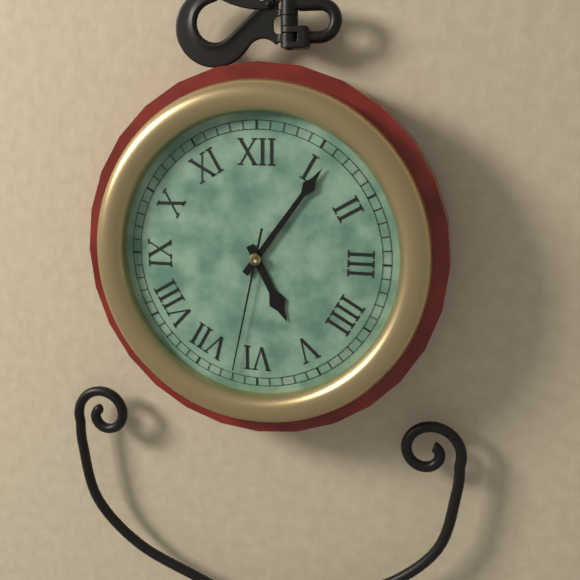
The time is 5:06:32
